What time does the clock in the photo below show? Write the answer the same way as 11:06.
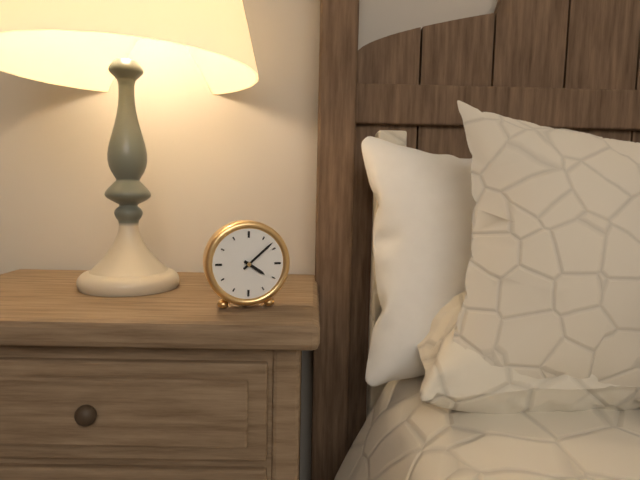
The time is 4:08
